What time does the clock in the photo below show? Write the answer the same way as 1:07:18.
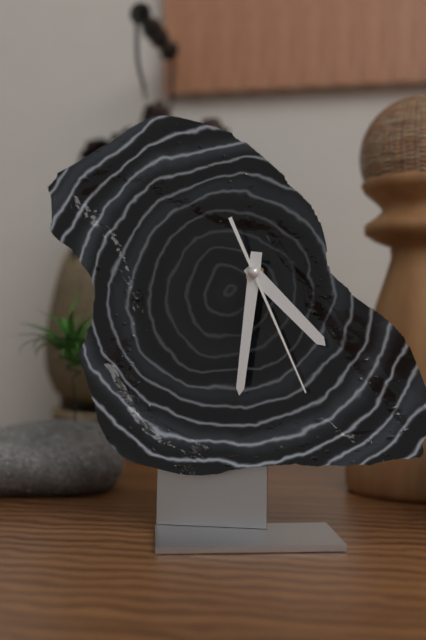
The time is 4:31:26
